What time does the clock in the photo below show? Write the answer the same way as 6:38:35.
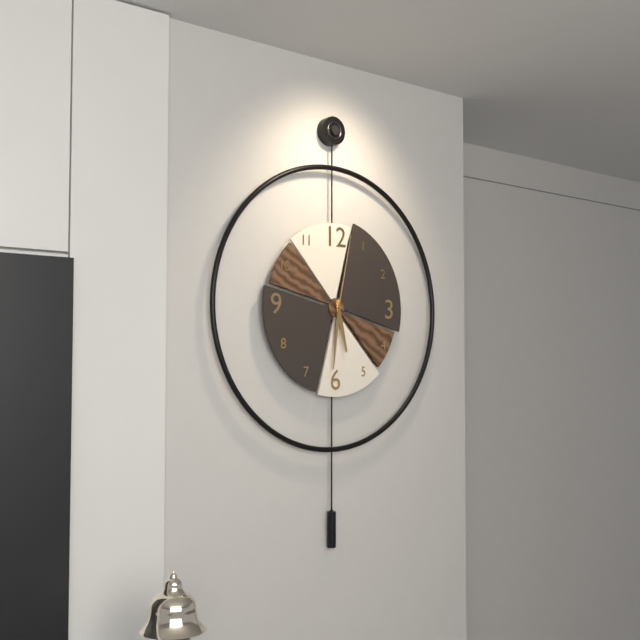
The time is 5:31:02
